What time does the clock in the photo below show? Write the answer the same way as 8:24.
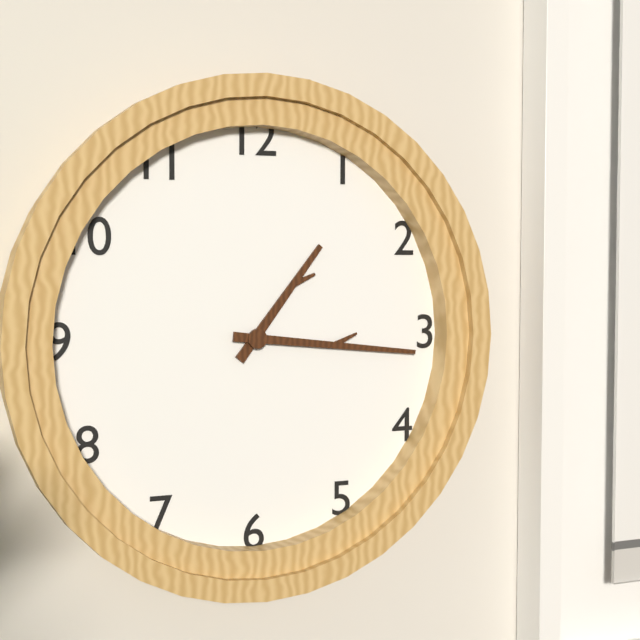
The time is 1:16
